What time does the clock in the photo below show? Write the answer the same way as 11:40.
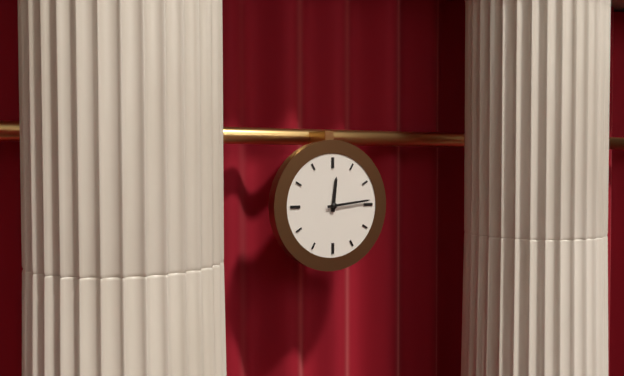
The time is 12:14
